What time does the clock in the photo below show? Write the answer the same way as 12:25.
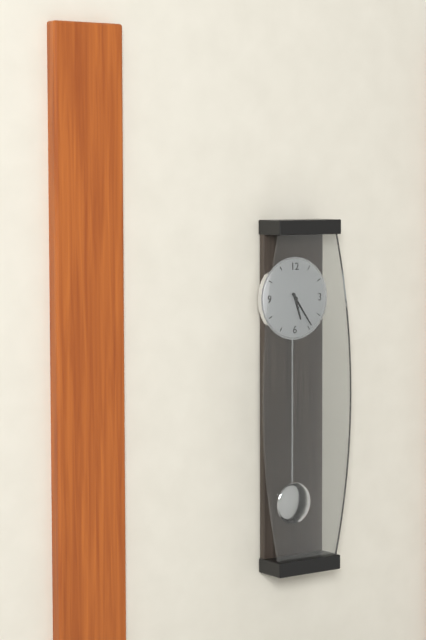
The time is 5:24
